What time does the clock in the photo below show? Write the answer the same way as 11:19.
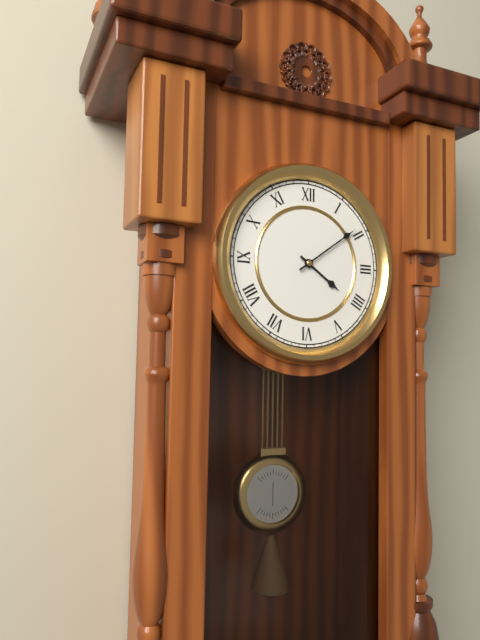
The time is 4:09
